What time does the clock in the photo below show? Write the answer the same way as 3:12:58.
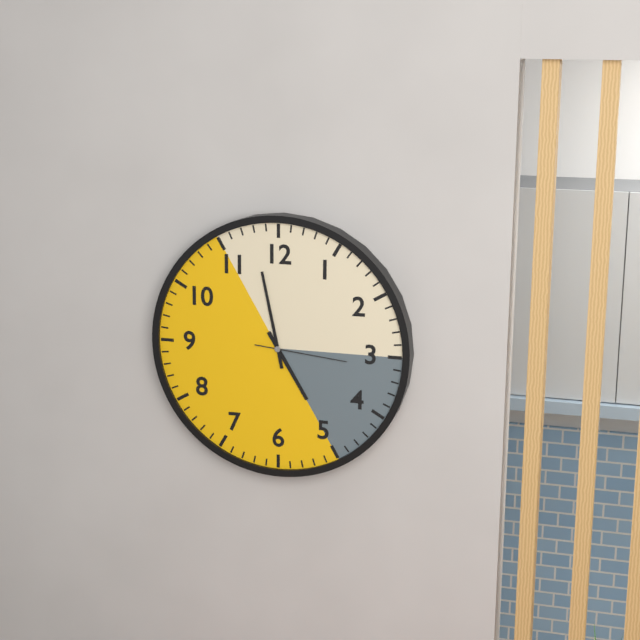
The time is 4:58:16
